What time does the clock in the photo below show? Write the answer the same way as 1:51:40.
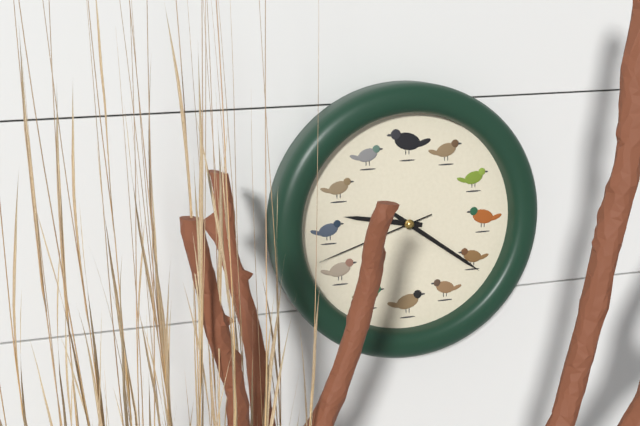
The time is 9:21:42
